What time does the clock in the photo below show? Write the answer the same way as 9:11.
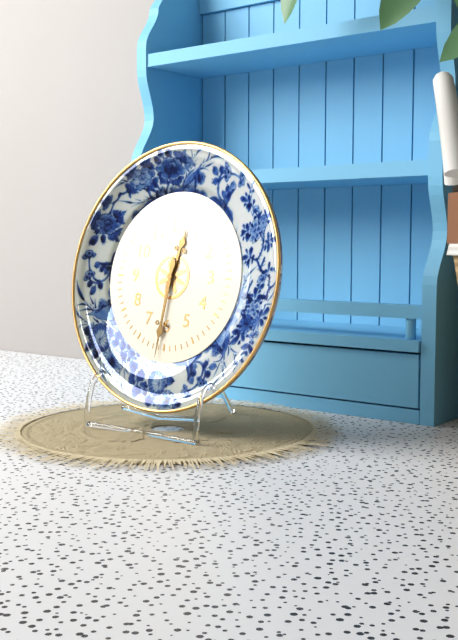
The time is 12:31
